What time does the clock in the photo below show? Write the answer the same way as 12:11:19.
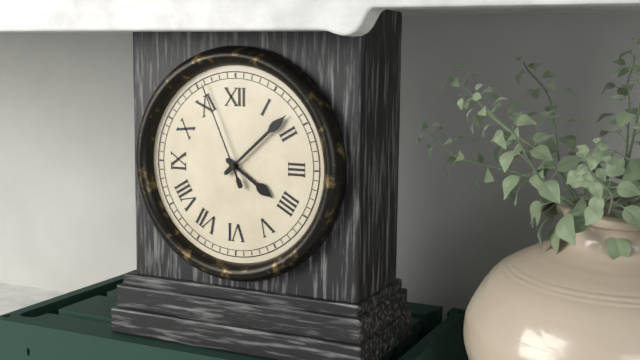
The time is 4:08:56
